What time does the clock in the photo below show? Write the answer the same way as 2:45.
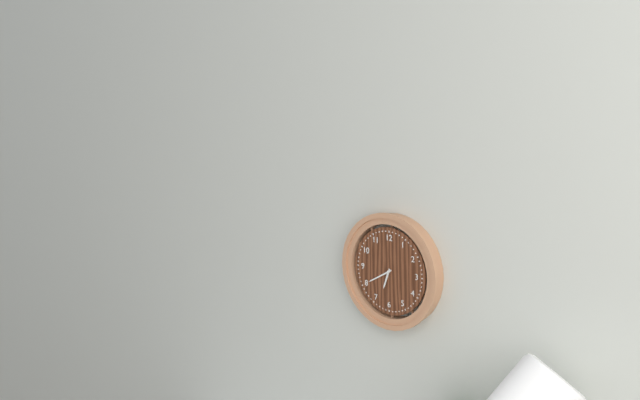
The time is 6:40
